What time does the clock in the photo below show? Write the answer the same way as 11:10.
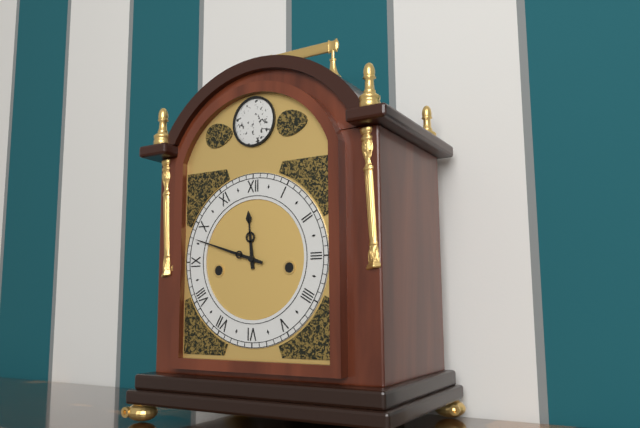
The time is 11:48
